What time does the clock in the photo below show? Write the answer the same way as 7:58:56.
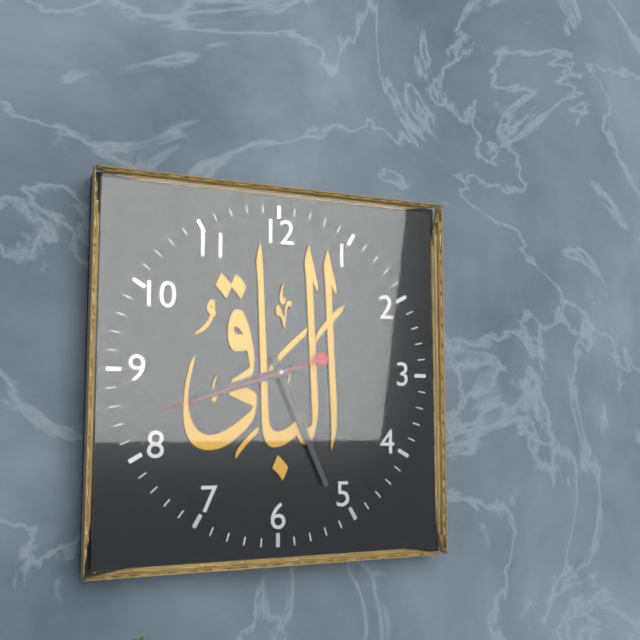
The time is 8:26:42
